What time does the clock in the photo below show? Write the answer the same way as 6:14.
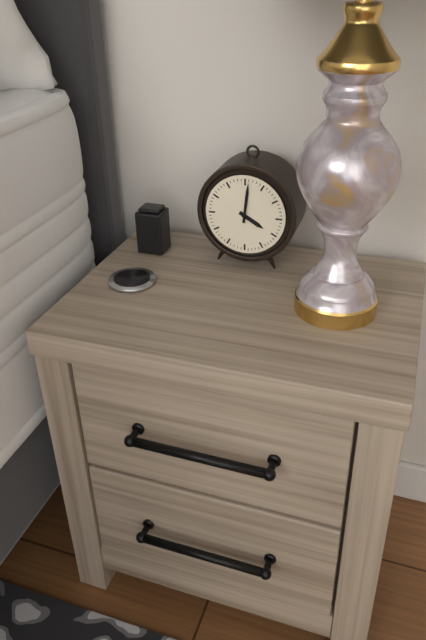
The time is 4:01
